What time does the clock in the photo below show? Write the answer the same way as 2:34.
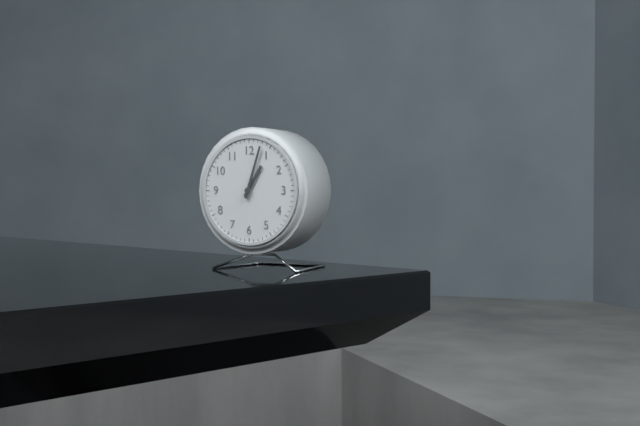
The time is 1:03
